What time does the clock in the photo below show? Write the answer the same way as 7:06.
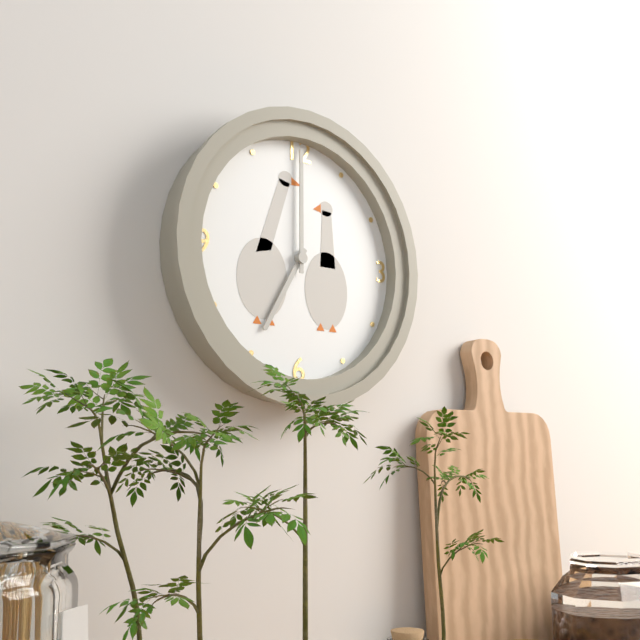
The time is 7:00
